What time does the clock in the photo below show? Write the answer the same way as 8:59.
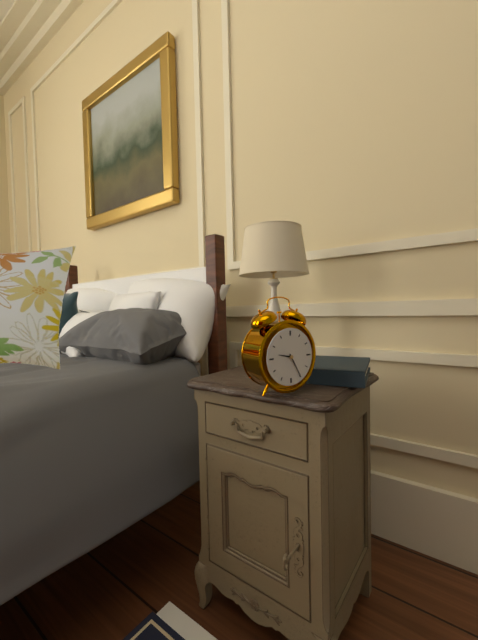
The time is 9:25
